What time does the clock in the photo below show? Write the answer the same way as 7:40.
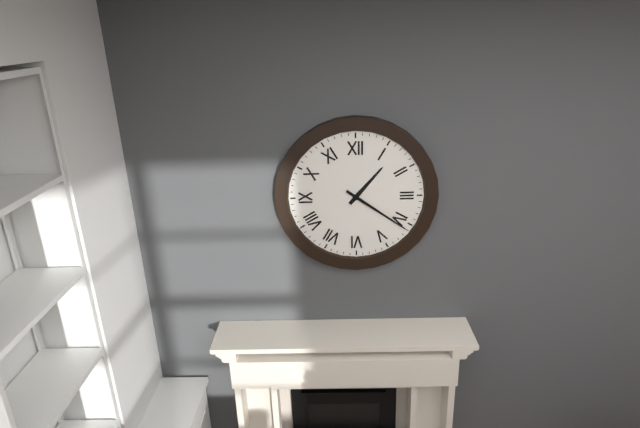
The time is 1:21
